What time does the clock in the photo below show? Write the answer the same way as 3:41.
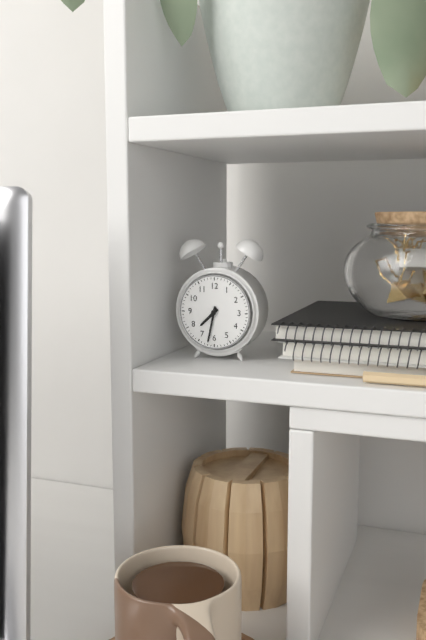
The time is 7:32
